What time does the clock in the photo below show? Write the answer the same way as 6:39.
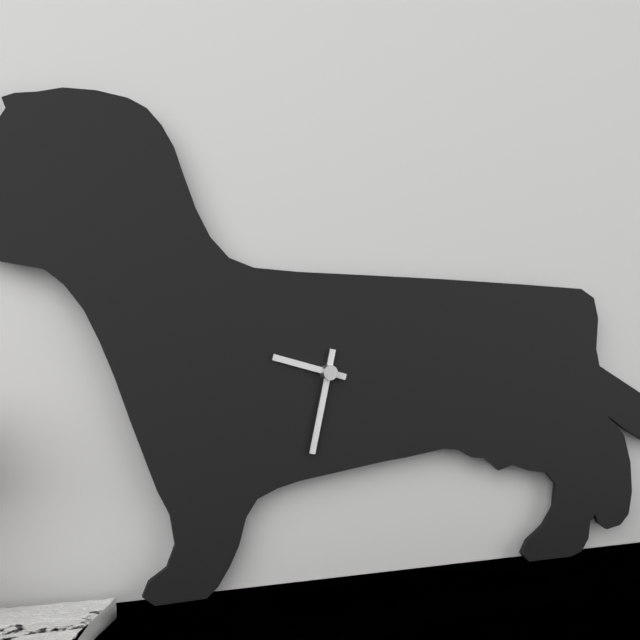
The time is 9:32
